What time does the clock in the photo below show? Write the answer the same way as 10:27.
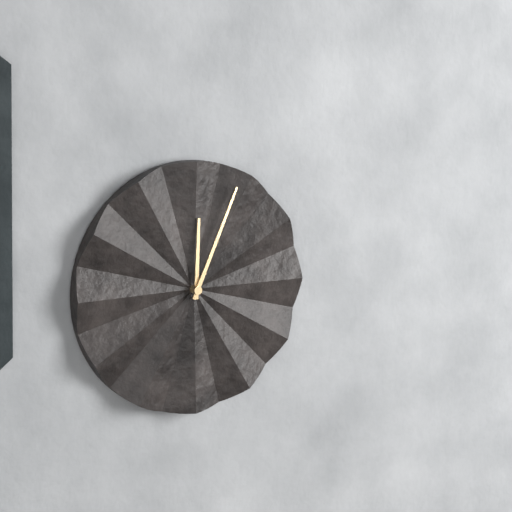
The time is 12:04
